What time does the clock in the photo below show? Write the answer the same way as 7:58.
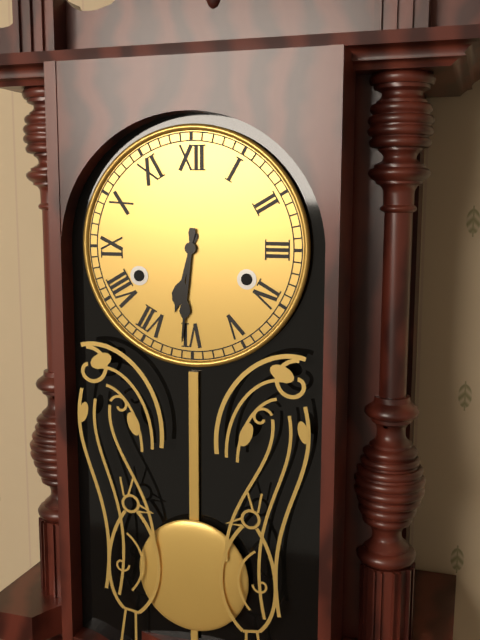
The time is 6:31
